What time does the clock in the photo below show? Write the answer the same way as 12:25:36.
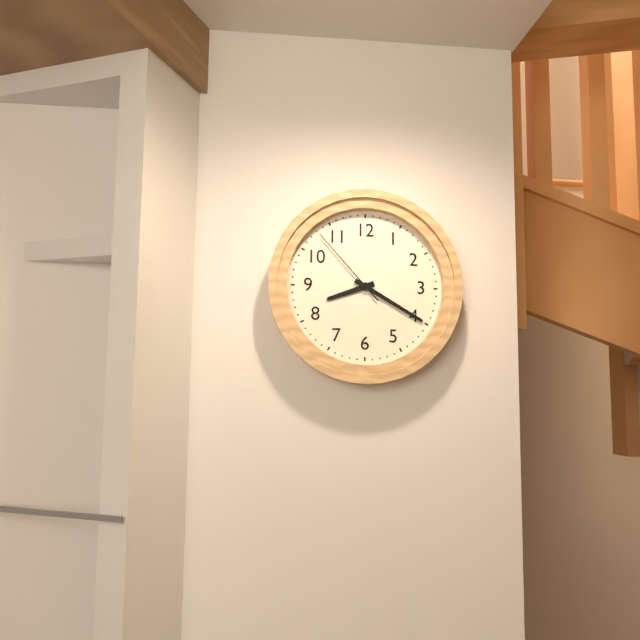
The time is 8:20:53
